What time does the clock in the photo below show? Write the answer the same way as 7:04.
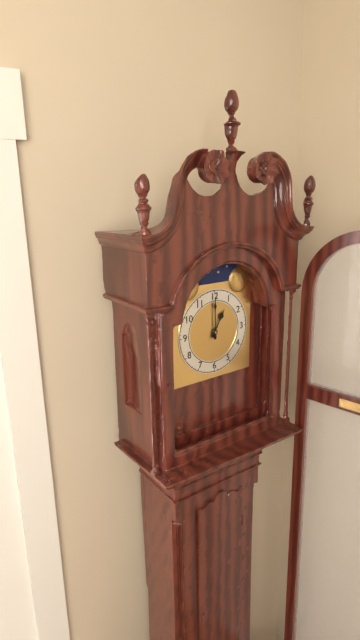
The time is 1:00
